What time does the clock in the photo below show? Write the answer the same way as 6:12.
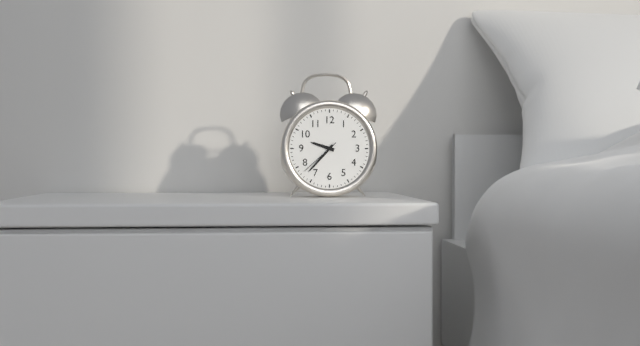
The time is 9:37
